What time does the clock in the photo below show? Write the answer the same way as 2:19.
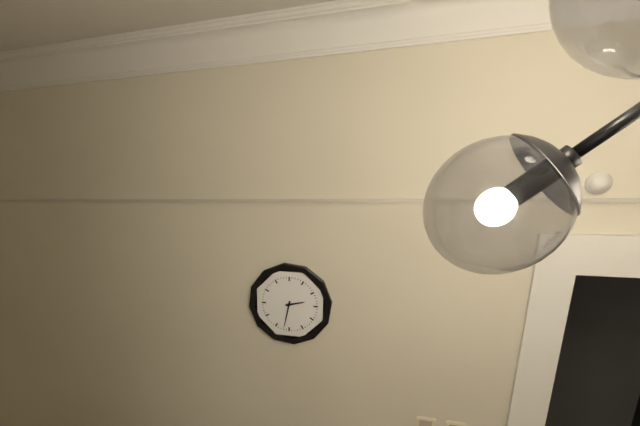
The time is 2:32
